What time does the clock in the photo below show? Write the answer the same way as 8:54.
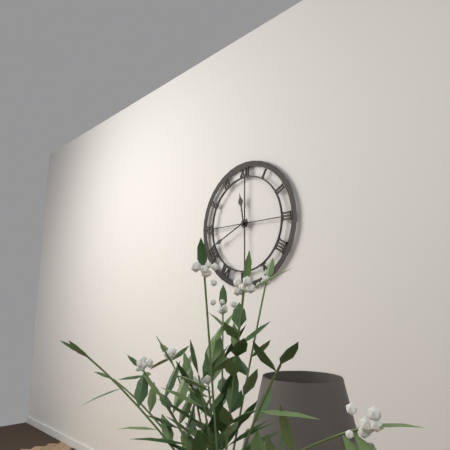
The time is 11:41
